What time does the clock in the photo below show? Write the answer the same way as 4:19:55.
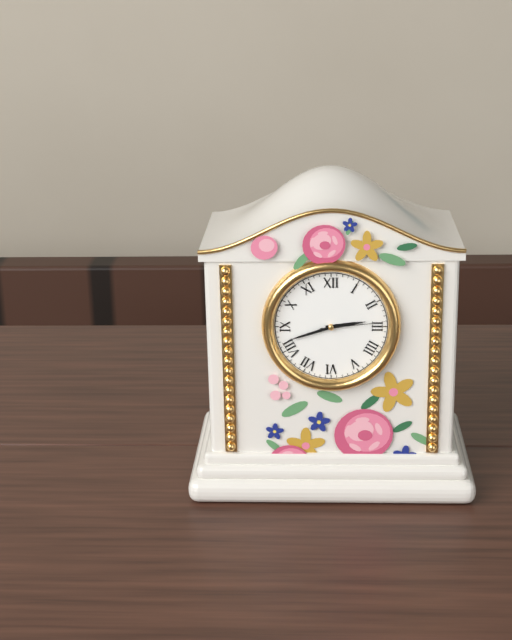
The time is 2:42:14
